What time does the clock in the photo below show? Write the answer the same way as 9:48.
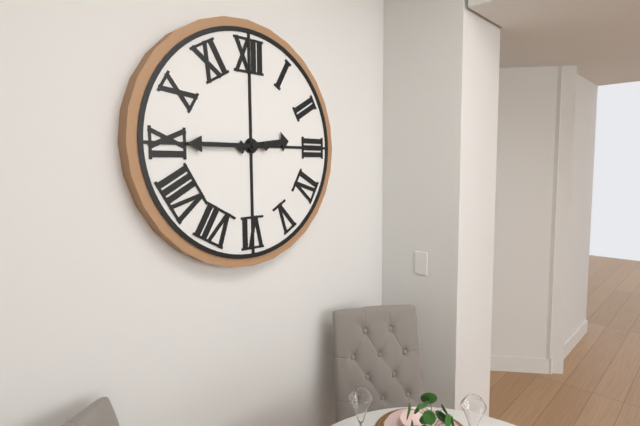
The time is 2:45
